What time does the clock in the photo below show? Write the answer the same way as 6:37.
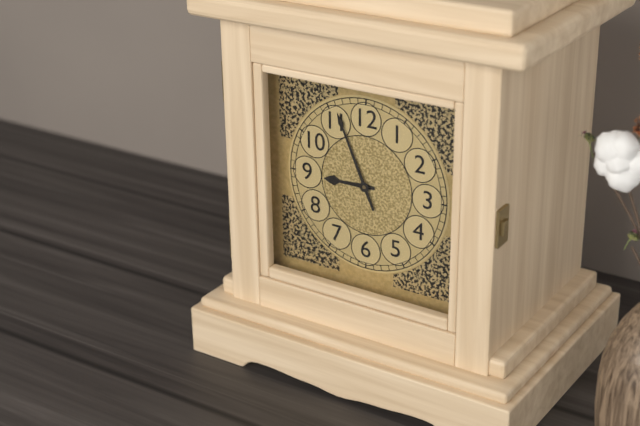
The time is 8:56
